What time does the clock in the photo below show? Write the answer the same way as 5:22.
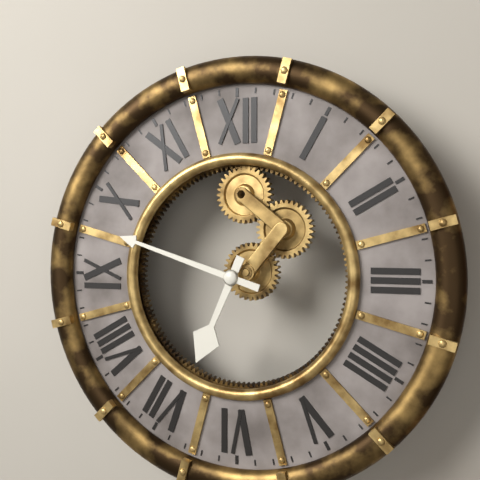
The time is 6:48
